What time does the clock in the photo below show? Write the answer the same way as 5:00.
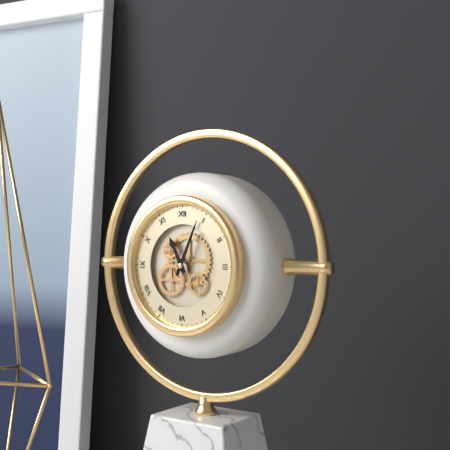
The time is 11:04
